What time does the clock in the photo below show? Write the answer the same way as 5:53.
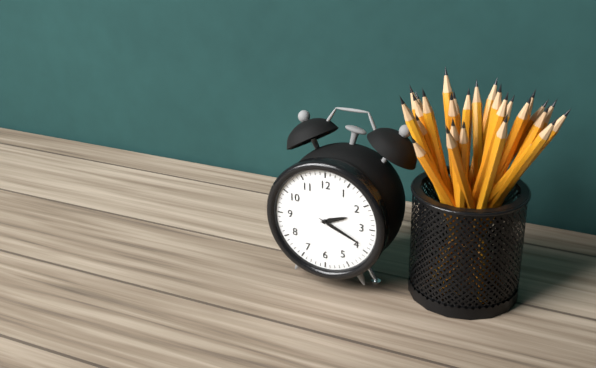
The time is 2:19
